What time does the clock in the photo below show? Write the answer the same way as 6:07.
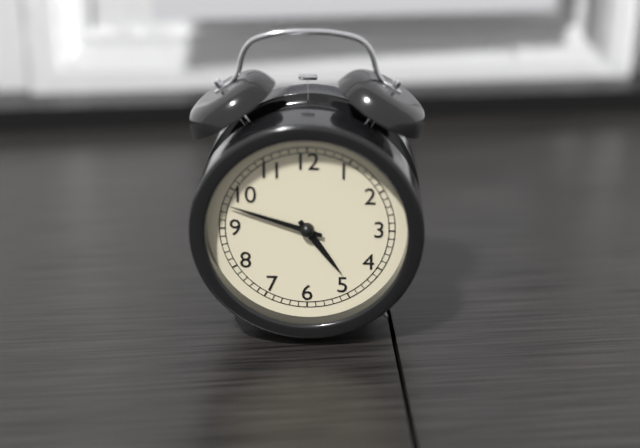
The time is 4:48
